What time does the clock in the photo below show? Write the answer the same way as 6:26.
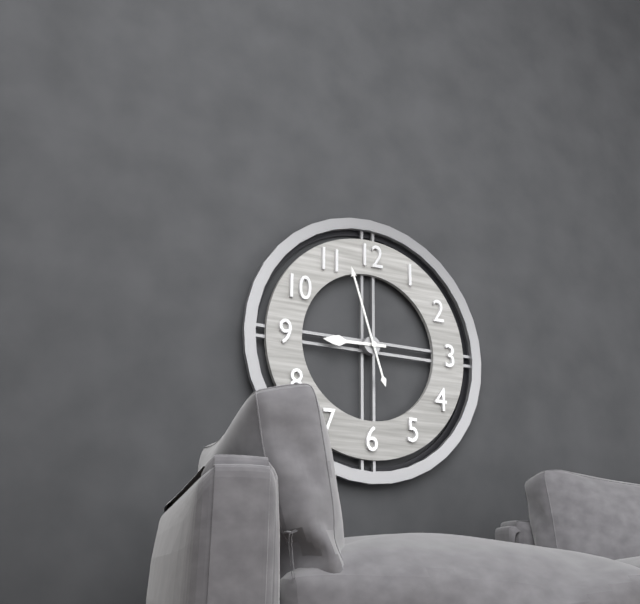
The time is 8:57
